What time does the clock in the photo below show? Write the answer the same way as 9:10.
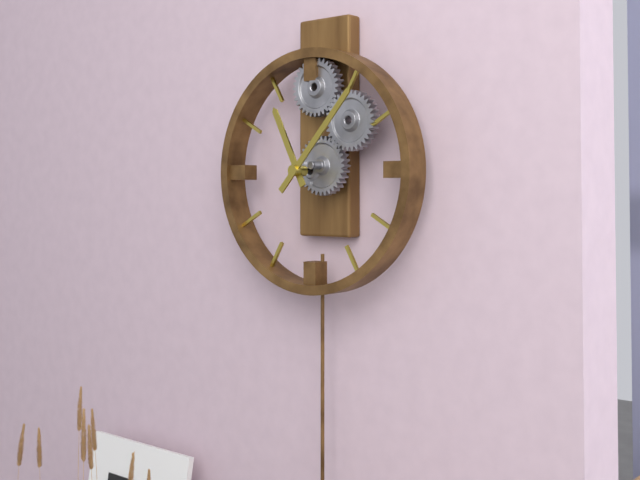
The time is 11:07
